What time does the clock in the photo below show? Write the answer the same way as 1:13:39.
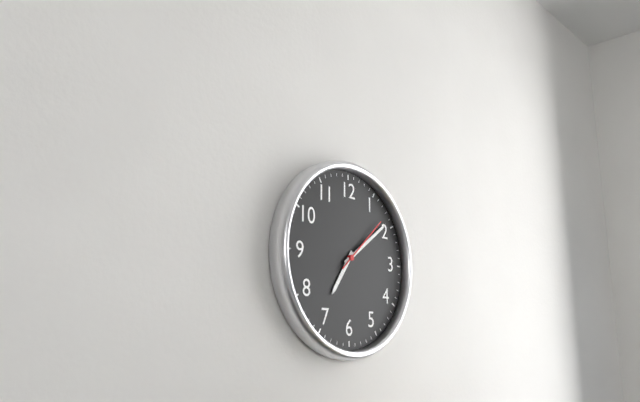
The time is 7:09:08
